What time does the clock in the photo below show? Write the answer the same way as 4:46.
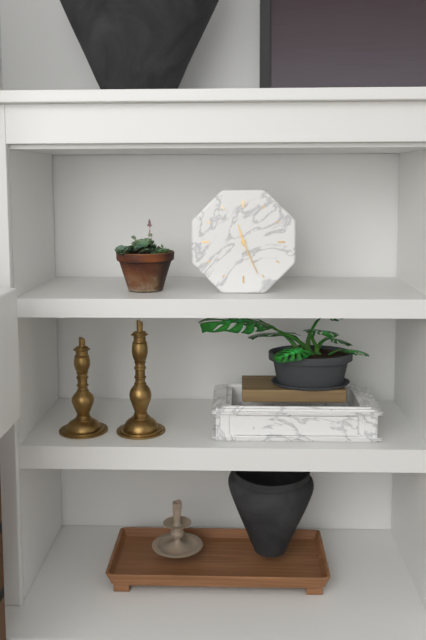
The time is 11:26
